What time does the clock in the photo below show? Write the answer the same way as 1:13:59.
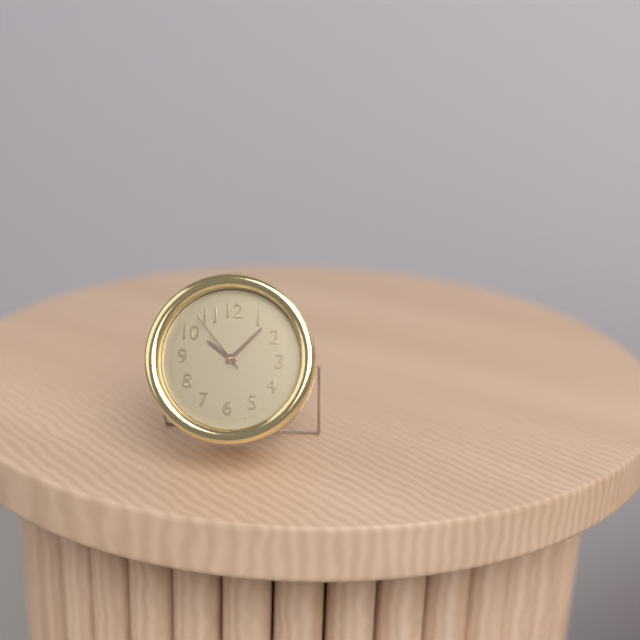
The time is 10:07:53
